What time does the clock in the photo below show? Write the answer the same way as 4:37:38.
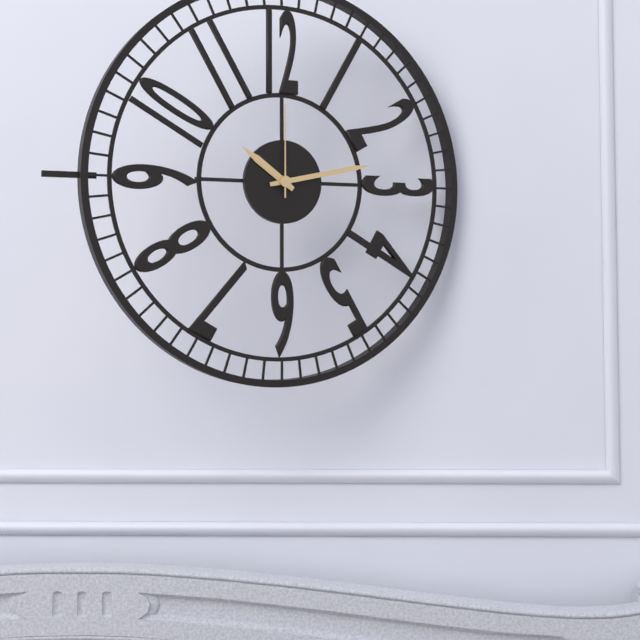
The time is 10:13:00
